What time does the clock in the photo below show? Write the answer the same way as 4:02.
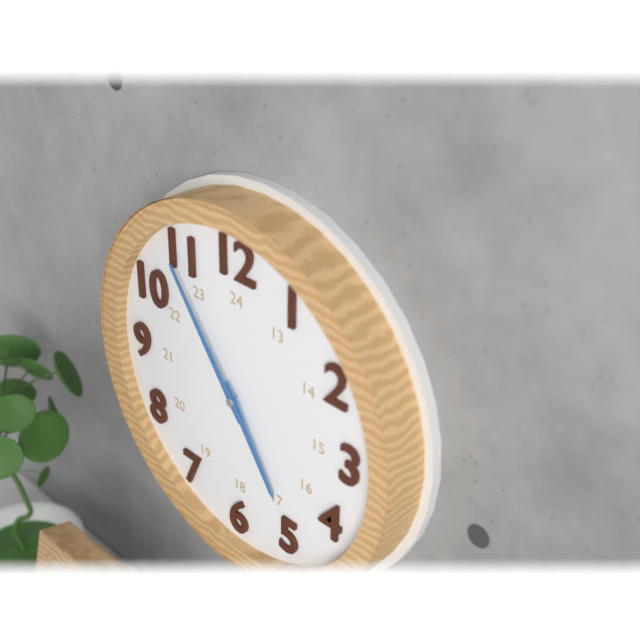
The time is 4:54
